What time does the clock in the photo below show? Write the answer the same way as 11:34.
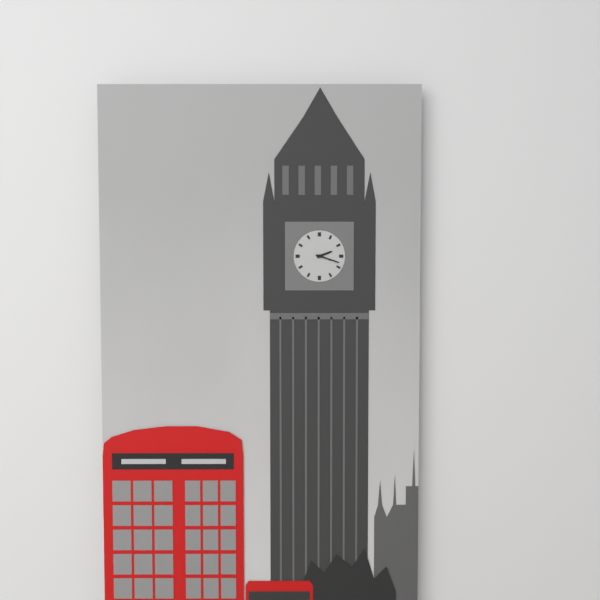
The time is 2:18
